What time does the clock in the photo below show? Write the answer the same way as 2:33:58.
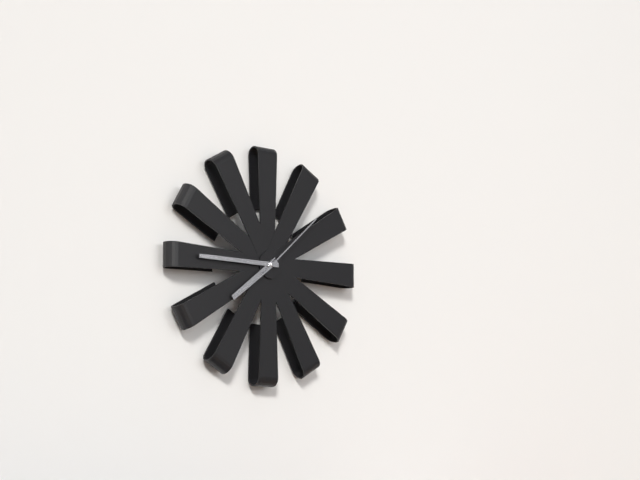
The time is 7:45:08
